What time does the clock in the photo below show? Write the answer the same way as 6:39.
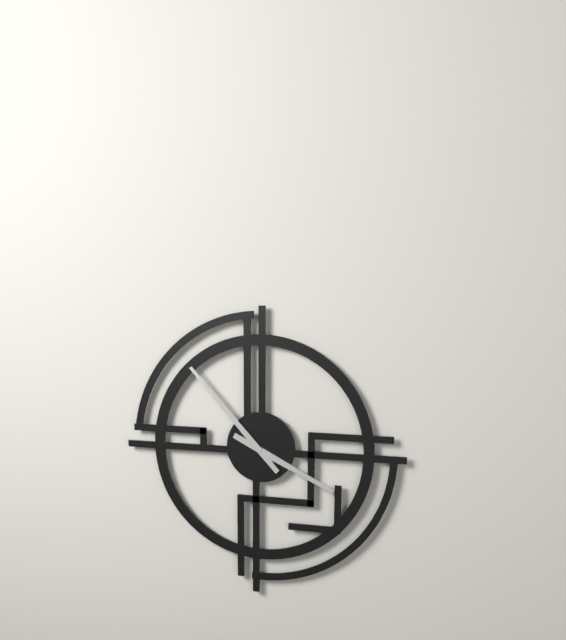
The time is 3:53
